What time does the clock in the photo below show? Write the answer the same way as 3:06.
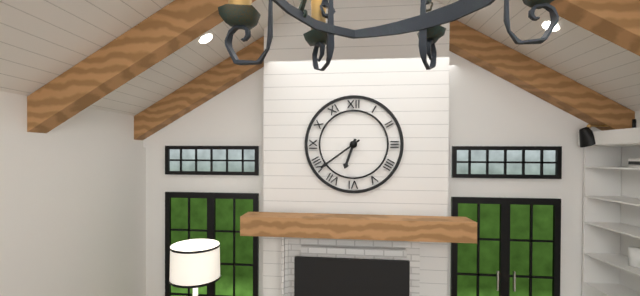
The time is 6:39
